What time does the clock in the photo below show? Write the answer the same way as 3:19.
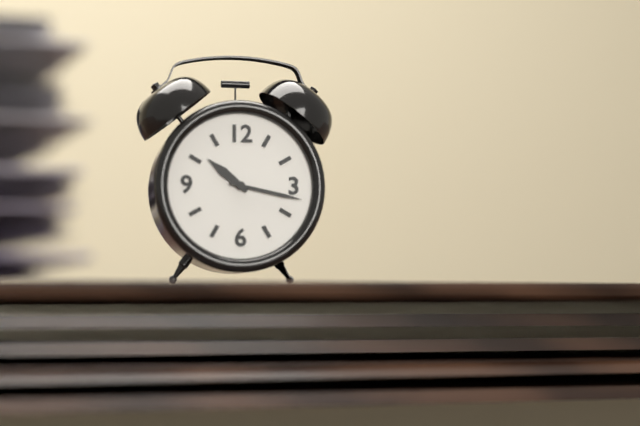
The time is 10:17
